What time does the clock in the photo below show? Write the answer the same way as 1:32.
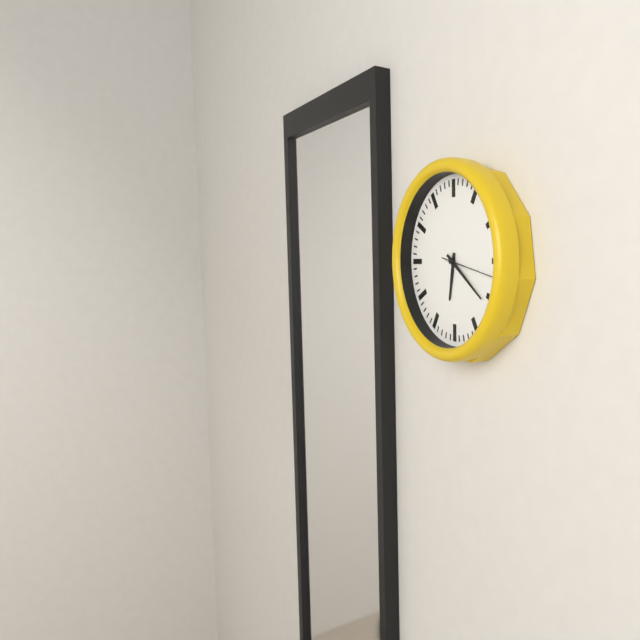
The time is 6:21
